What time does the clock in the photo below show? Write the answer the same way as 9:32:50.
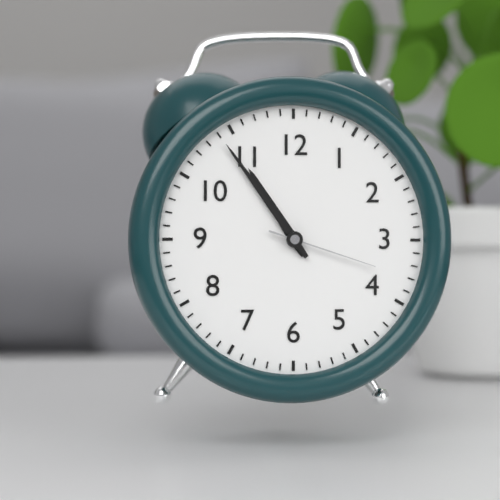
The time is 10:54:18
